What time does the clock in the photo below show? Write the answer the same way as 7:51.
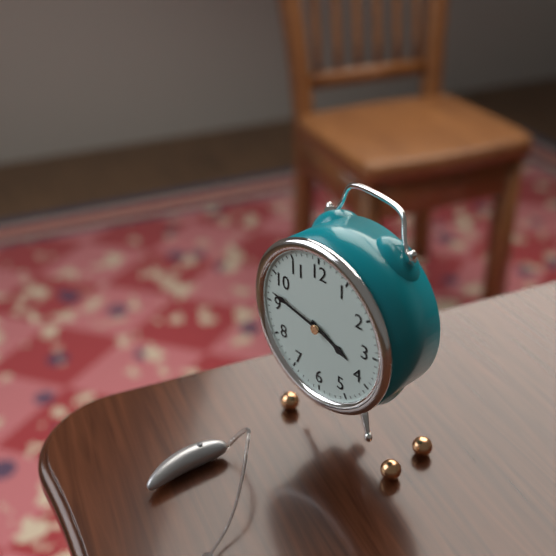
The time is 3:47
